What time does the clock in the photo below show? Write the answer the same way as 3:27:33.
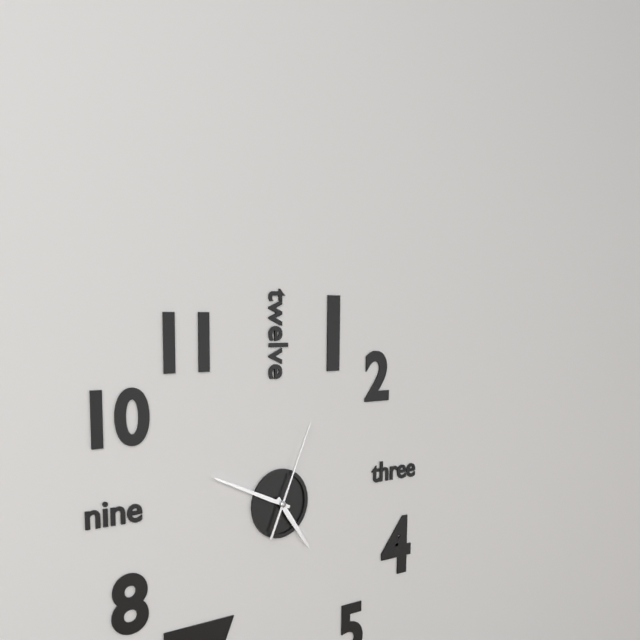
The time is 4:49:04
